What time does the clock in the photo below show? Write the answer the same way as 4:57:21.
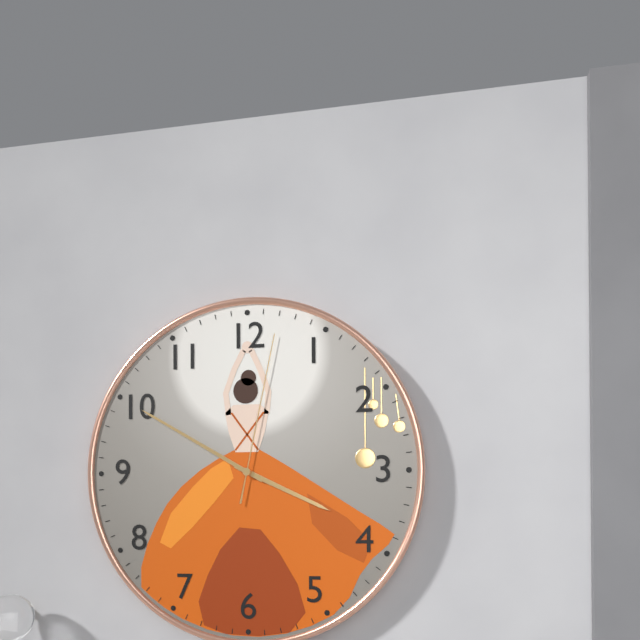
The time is 3:50:02
